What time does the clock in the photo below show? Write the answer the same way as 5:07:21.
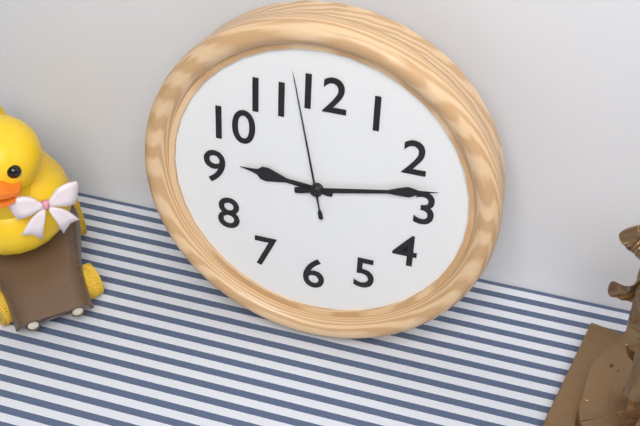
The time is 9:13:58
